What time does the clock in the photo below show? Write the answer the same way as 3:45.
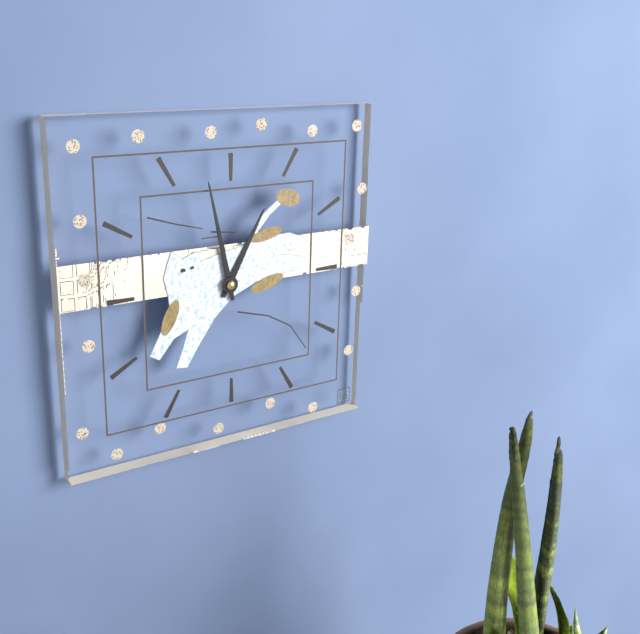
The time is 12:58
